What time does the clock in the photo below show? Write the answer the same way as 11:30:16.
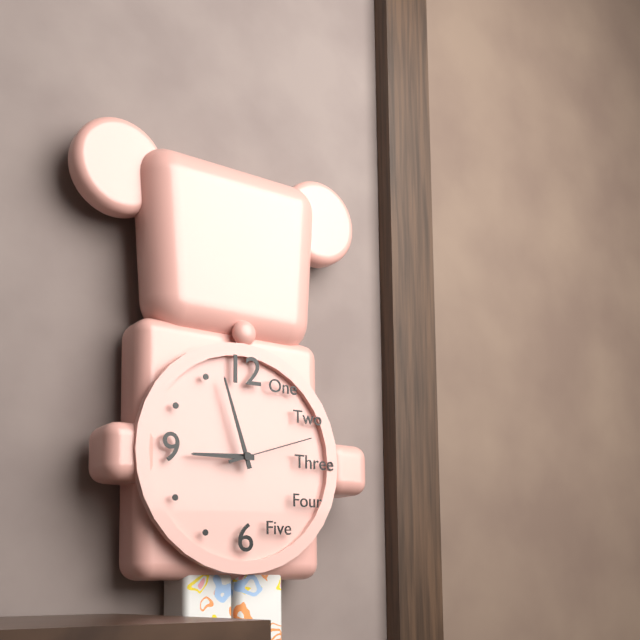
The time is 8:57:12
